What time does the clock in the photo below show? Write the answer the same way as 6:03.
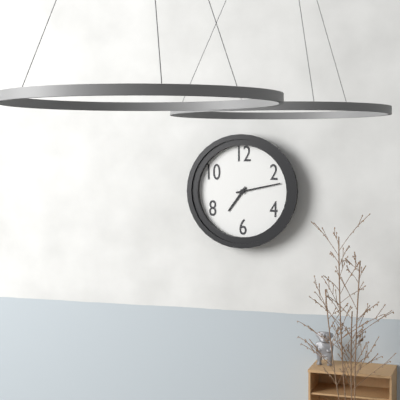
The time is 7:13
